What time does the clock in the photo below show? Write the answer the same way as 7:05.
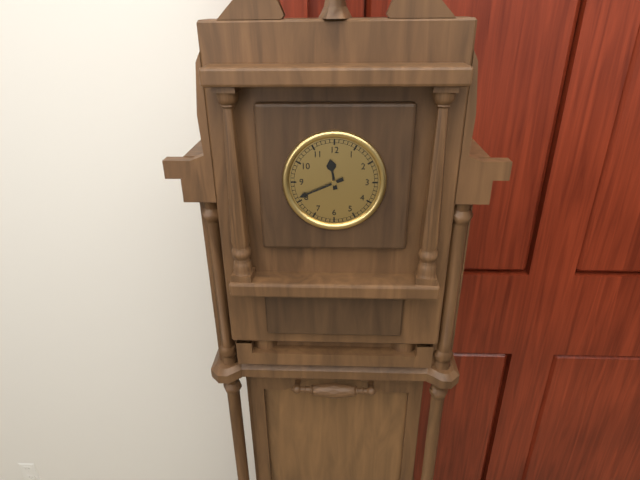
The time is 11:41
